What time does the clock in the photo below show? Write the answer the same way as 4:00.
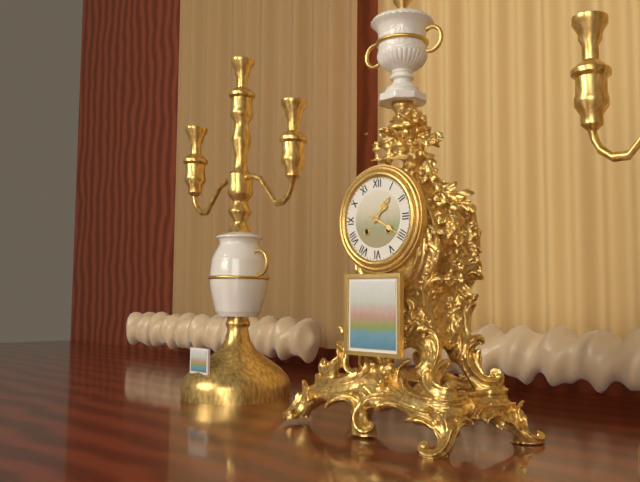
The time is 1:20
